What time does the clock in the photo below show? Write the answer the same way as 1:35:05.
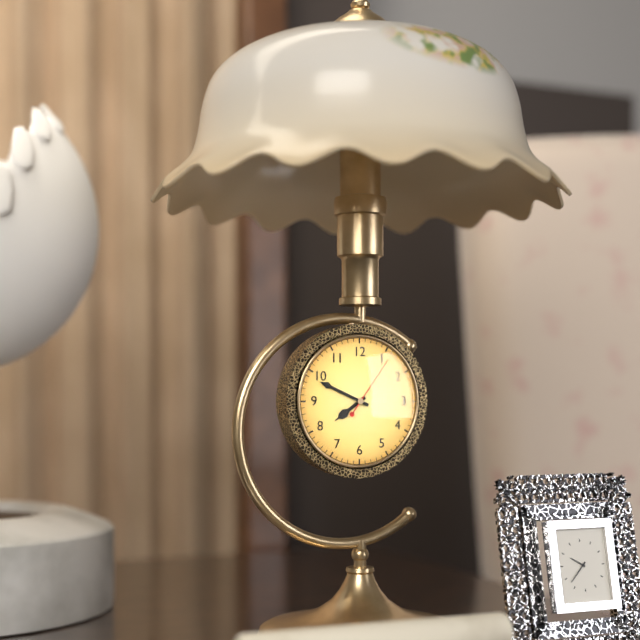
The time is 7:49:06
